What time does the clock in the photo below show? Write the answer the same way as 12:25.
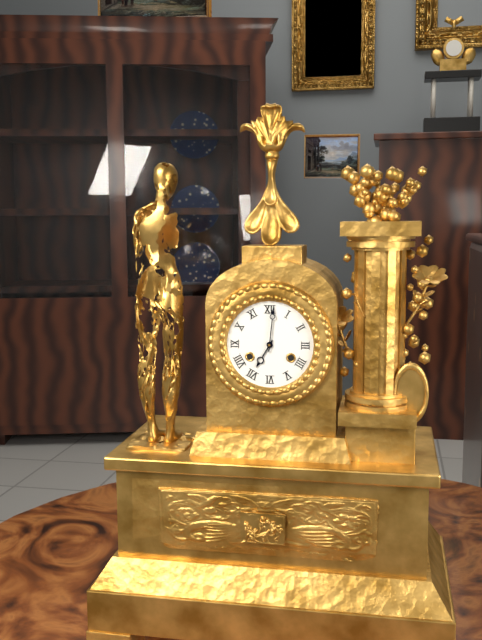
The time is 7:01
